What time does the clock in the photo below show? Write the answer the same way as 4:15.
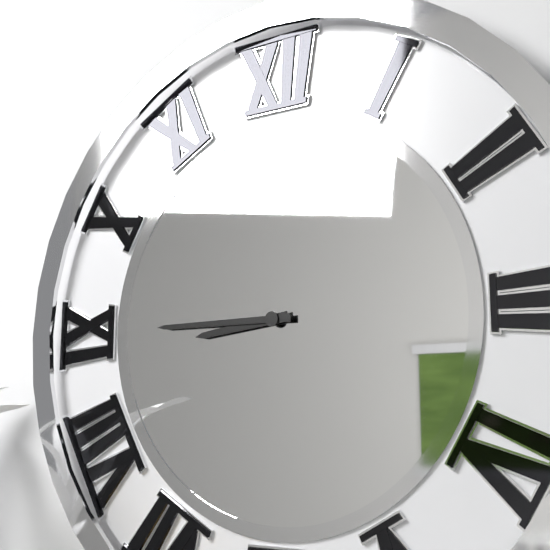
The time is 8:45
